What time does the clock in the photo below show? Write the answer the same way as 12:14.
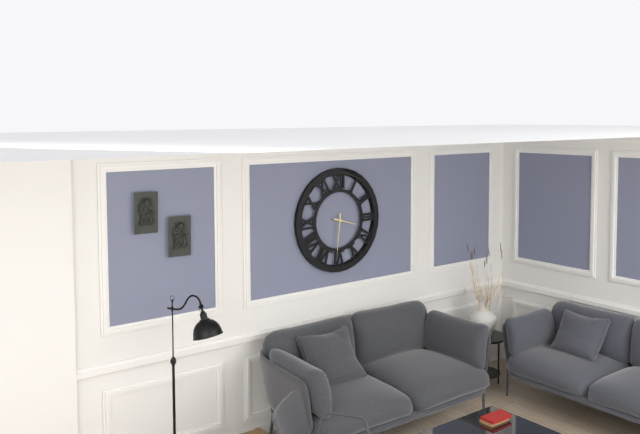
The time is 3:31
